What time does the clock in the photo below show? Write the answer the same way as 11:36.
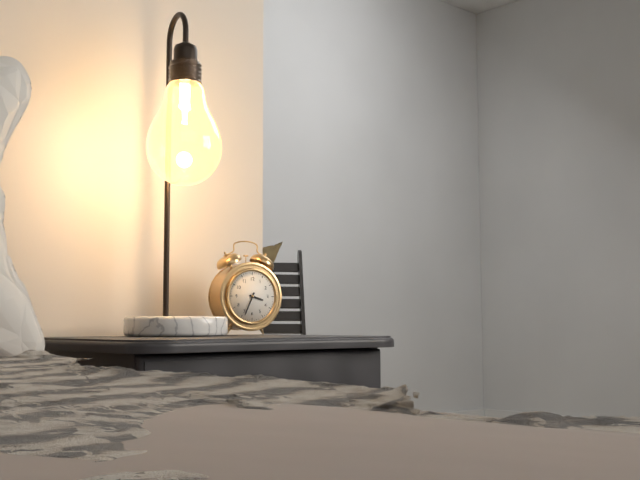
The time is 3:34
